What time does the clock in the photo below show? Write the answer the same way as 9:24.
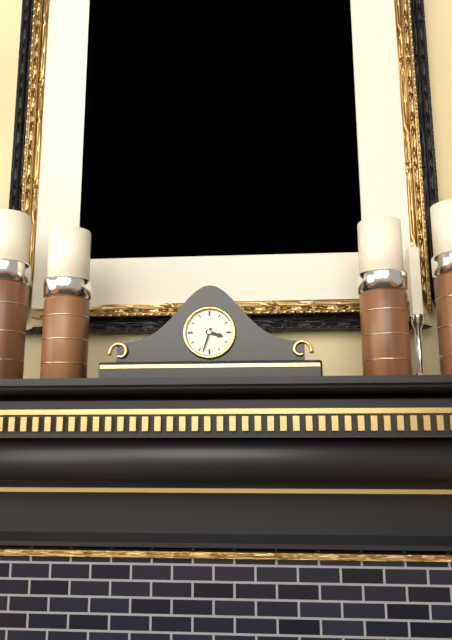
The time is 3:33
